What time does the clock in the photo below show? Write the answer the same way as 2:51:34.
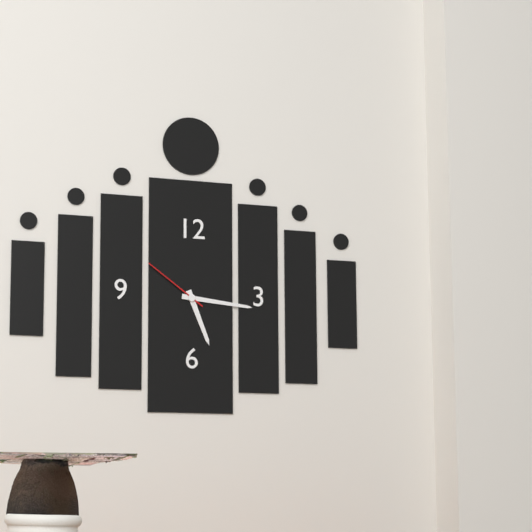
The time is 5:16:51
